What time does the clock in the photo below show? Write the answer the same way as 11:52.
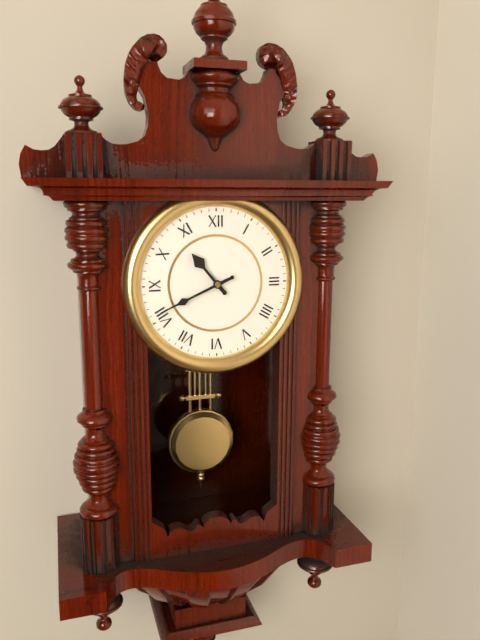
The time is 10:41
